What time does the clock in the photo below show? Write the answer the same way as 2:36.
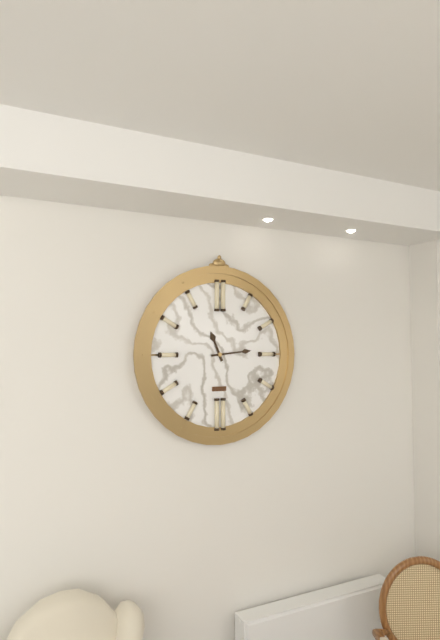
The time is 11:14
